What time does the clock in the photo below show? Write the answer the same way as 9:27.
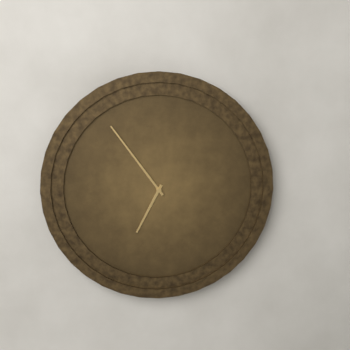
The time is 6:54
